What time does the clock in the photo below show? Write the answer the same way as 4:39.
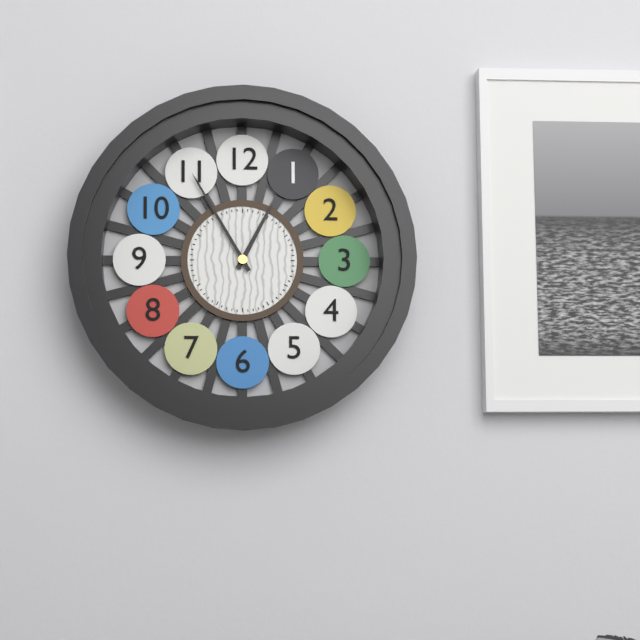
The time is 12:55
